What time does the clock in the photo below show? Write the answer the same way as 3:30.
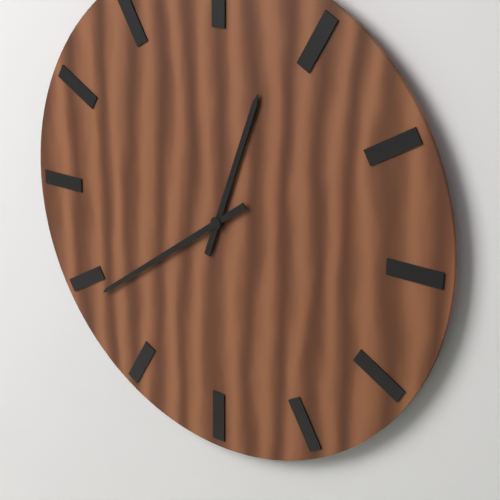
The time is 12:39
